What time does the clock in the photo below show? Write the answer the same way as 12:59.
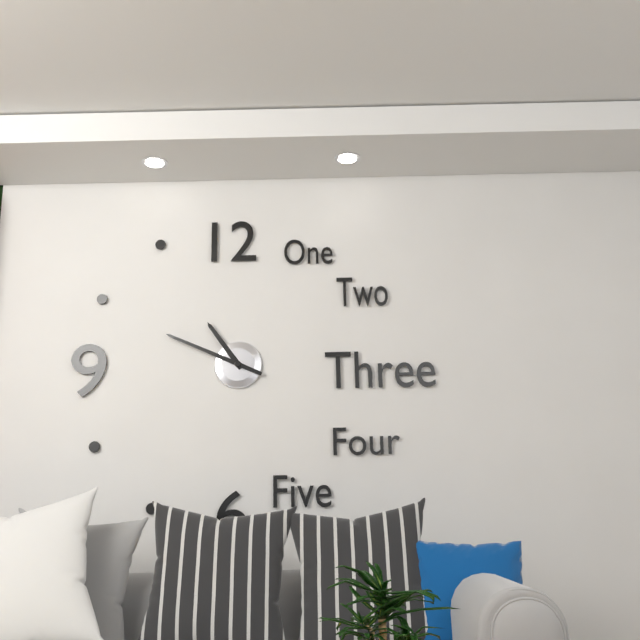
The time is 10:49
